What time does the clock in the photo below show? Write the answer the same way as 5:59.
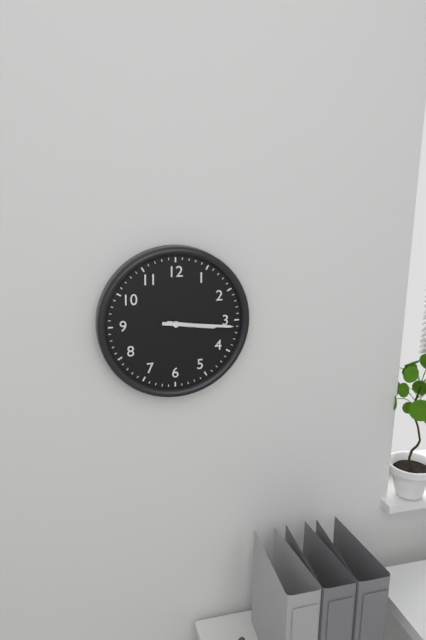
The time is 3:16
